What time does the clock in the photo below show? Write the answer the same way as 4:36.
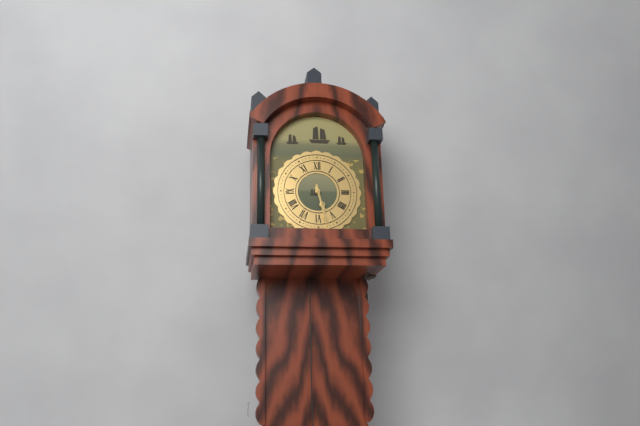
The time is 5:28
